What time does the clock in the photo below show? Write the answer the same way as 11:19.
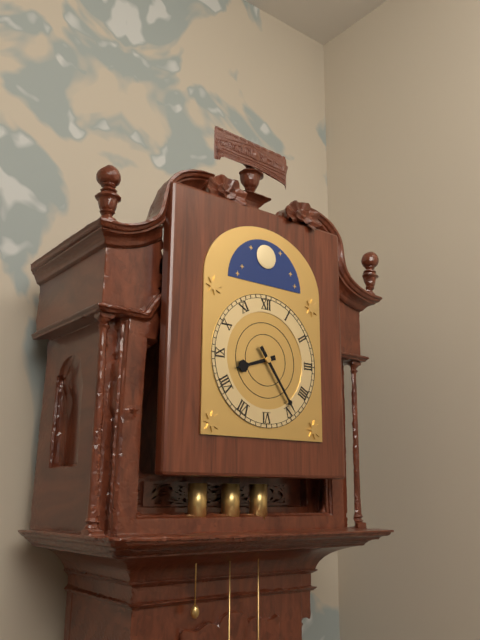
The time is 8:24
